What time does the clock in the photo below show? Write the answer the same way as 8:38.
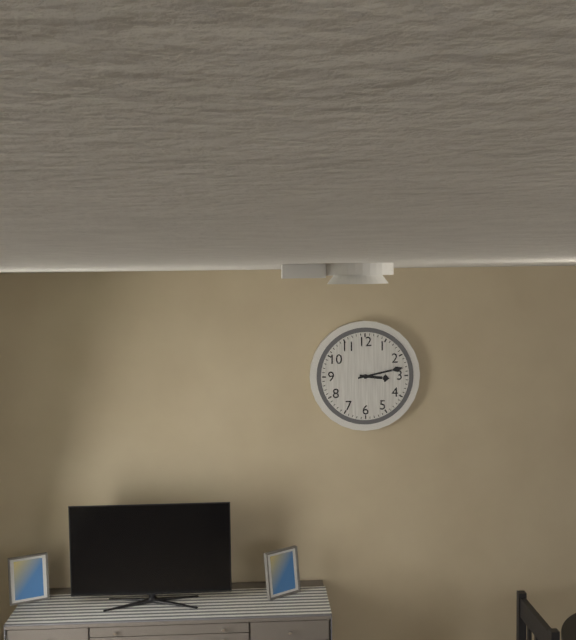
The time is 3:13
